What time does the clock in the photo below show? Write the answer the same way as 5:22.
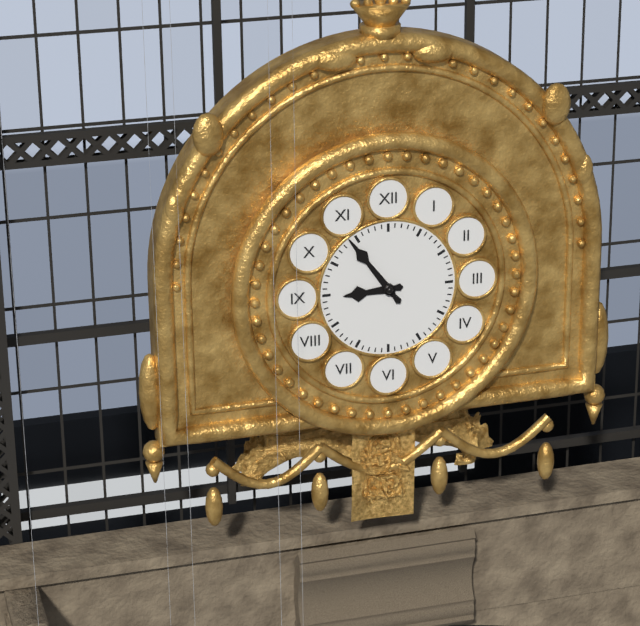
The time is 8:54
